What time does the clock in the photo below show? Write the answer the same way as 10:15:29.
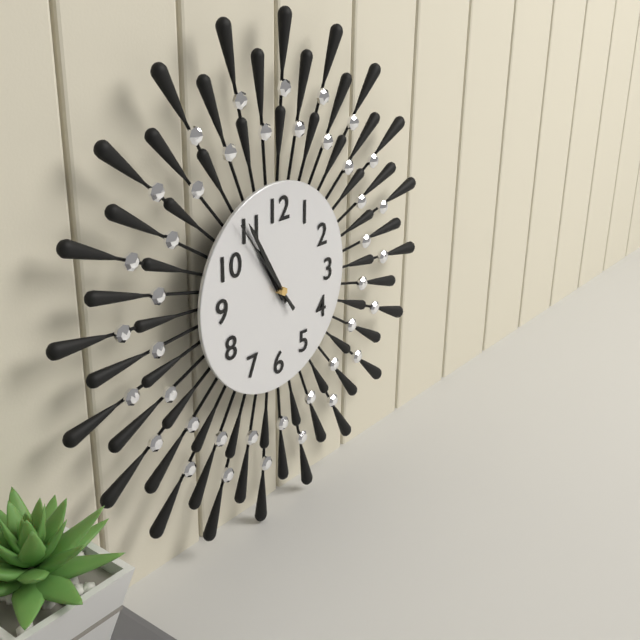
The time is 10:55:54
